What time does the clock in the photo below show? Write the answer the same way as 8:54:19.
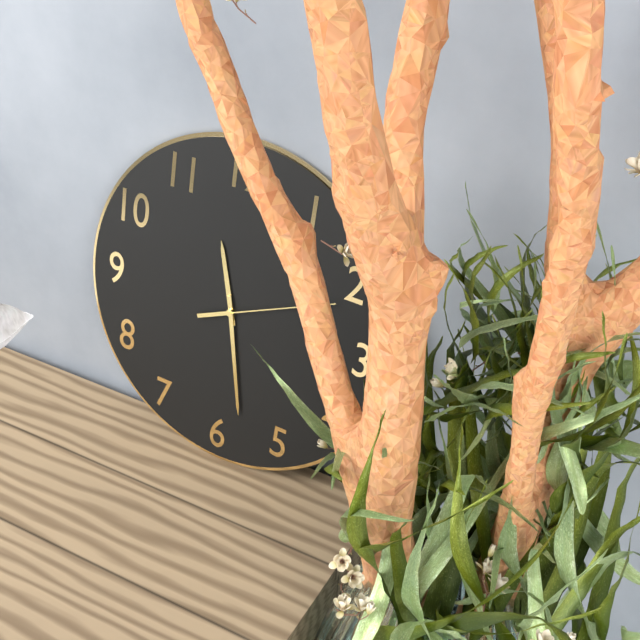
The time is 11:28:11
